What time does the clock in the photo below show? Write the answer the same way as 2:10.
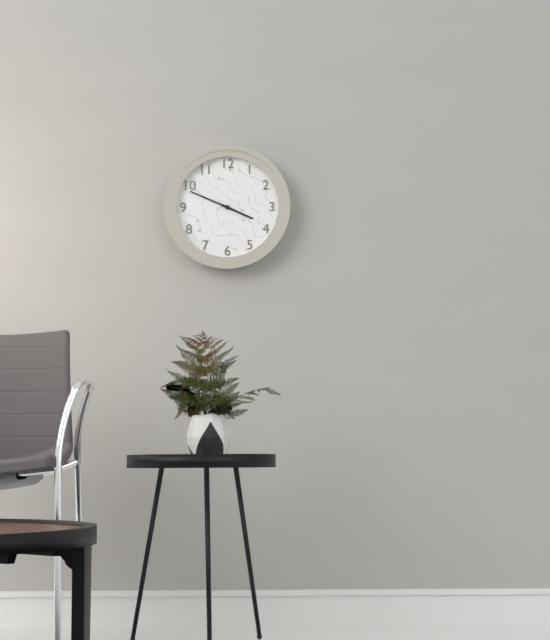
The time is 3:49
